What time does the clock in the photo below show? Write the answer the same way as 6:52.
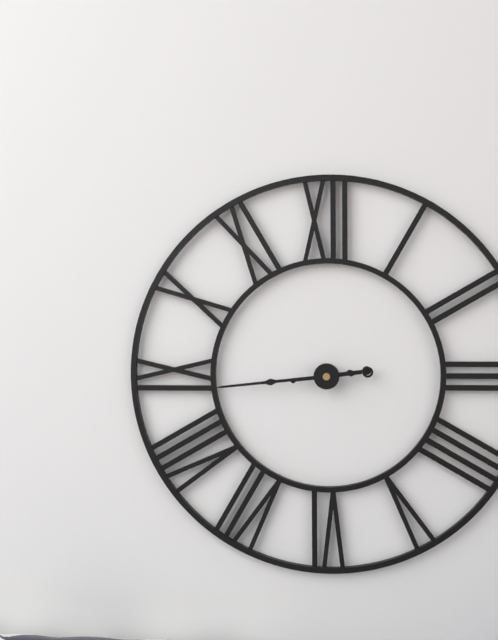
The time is 2:44
